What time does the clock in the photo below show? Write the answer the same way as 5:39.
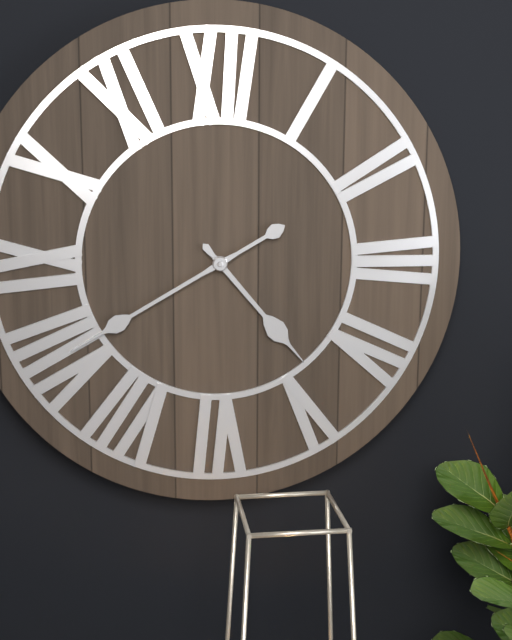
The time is 4:40
